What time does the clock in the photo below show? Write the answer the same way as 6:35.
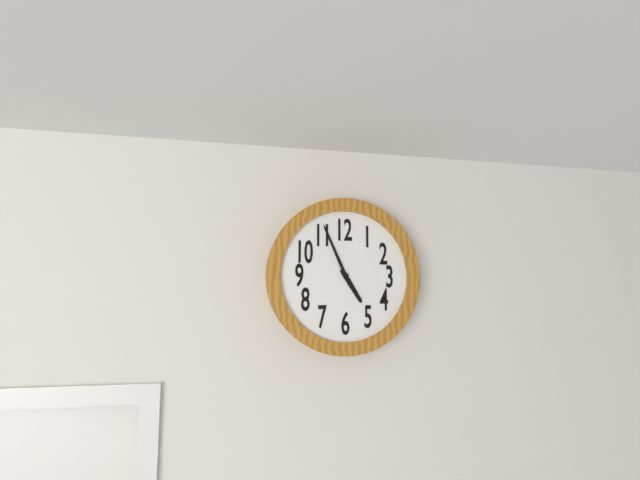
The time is 4:56
